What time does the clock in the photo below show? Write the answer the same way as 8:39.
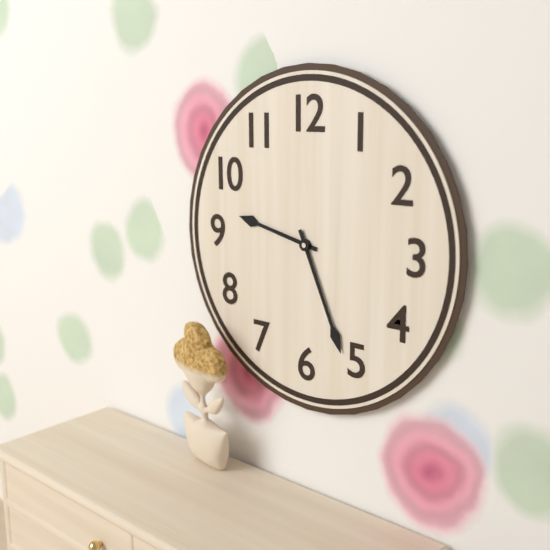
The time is 9:26
